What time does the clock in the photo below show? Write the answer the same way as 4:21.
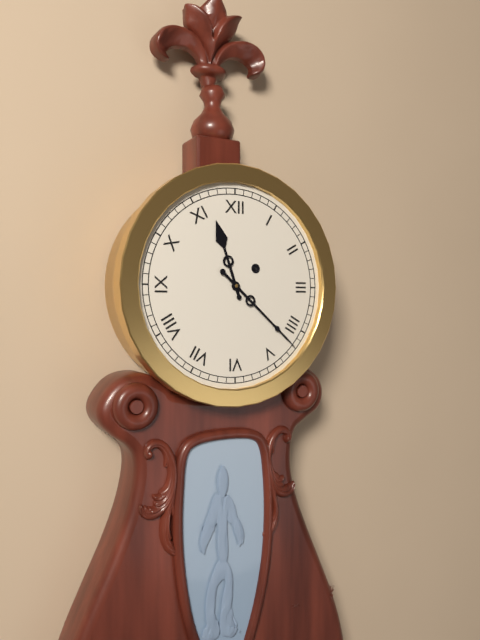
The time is 11:22
